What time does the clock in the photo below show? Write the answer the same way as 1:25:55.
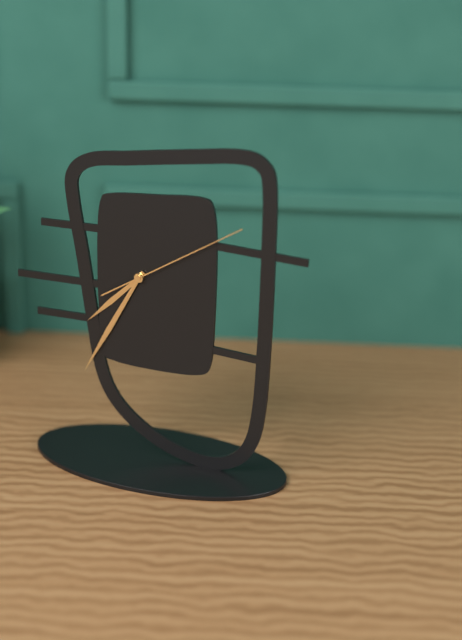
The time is 7:35:10
